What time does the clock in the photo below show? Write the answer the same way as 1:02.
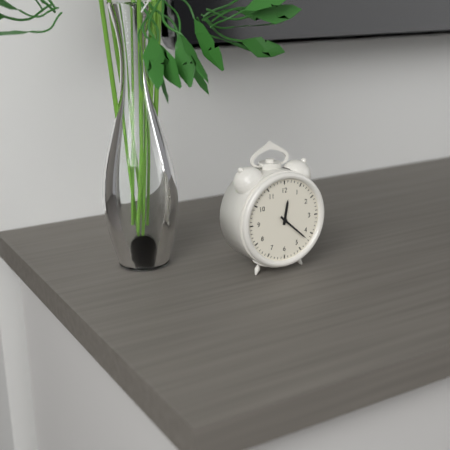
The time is 12:22
